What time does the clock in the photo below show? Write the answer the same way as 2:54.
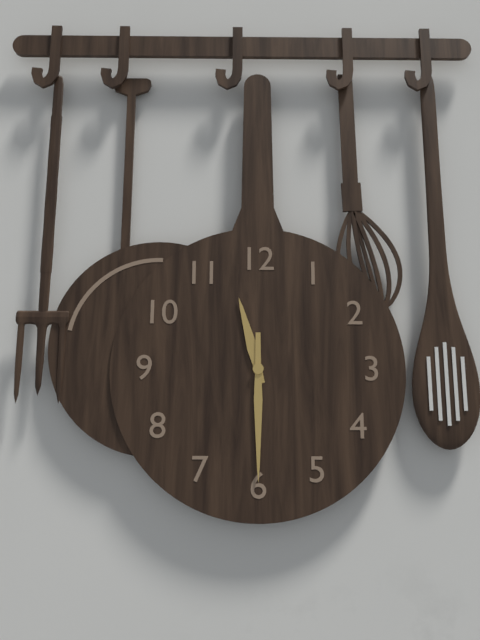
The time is 11:30
